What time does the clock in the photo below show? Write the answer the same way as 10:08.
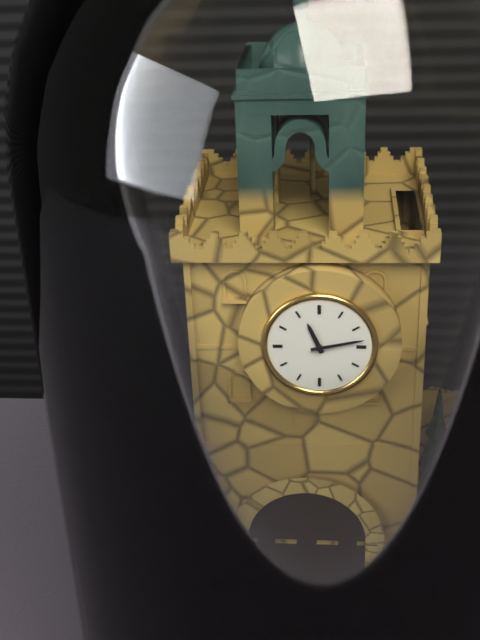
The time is 11:13
